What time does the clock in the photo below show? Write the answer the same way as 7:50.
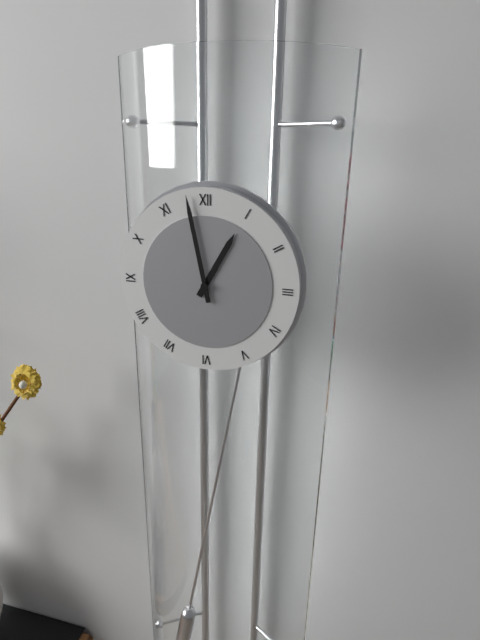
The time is 12:58
